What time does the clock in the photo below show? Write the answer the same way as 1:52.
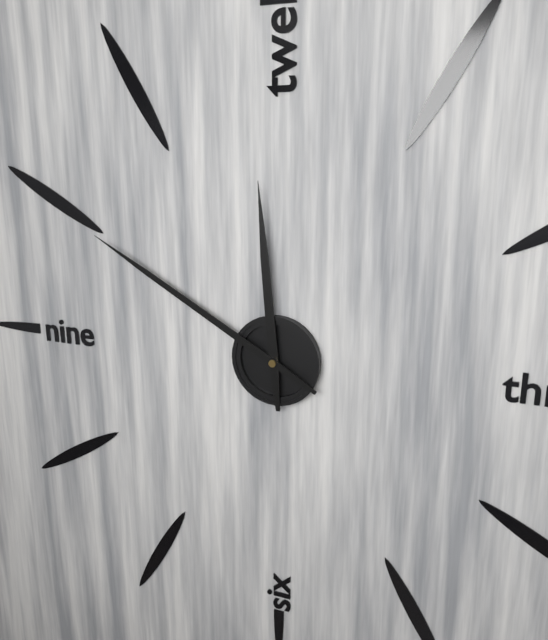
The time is 11:50
